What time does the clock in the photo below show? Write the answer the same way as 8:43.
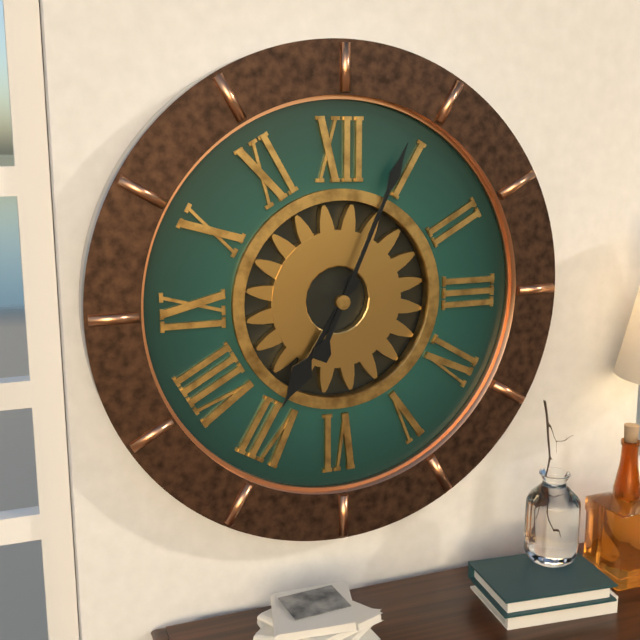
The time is 7:04
